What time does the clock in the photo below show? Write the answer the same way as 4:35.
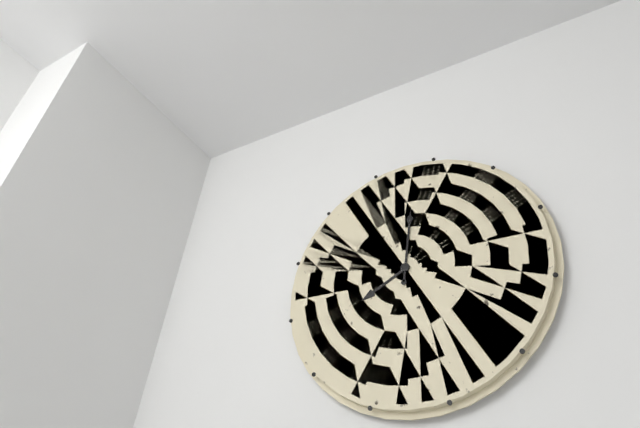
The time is 8:01
